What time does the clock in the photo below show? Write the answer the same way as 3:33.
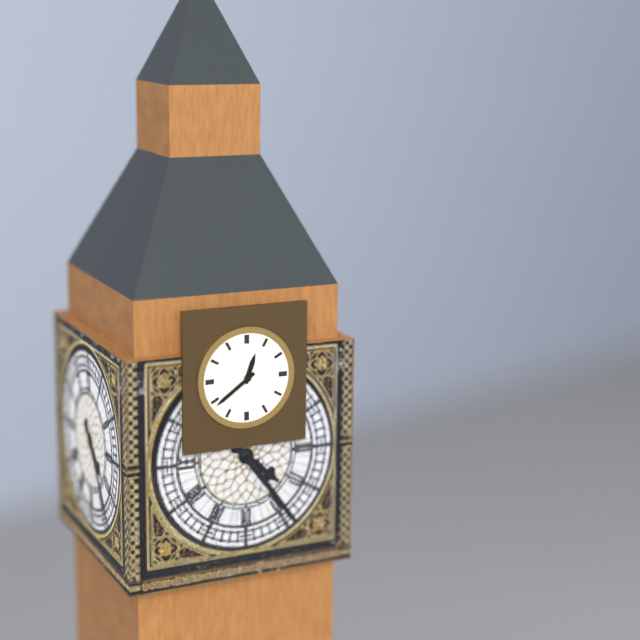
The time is 12:39
